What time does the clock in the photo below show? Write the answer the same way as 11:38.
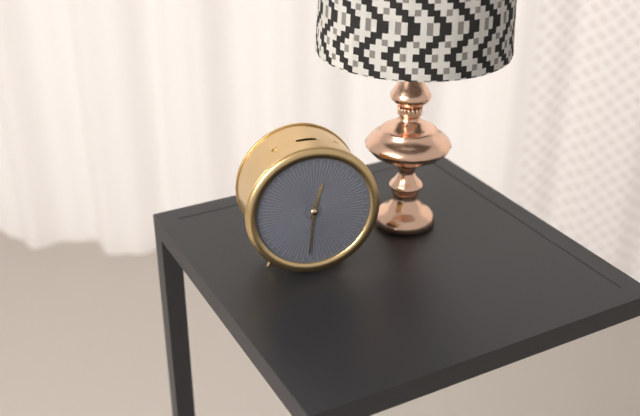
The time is 12:31
